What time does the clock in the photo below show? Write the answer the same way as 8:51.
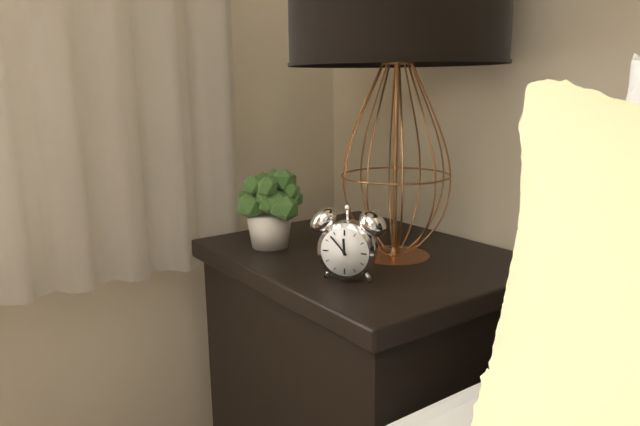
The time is 11:53
